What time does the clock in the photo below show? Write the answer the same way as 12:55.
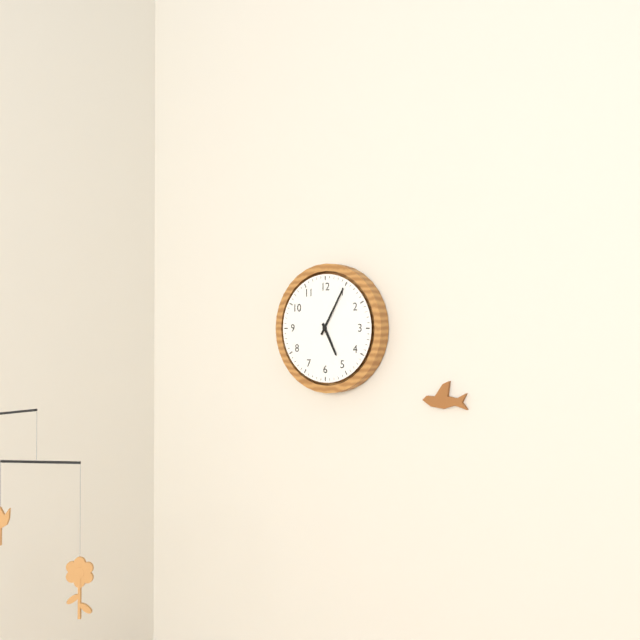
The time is 5:05
